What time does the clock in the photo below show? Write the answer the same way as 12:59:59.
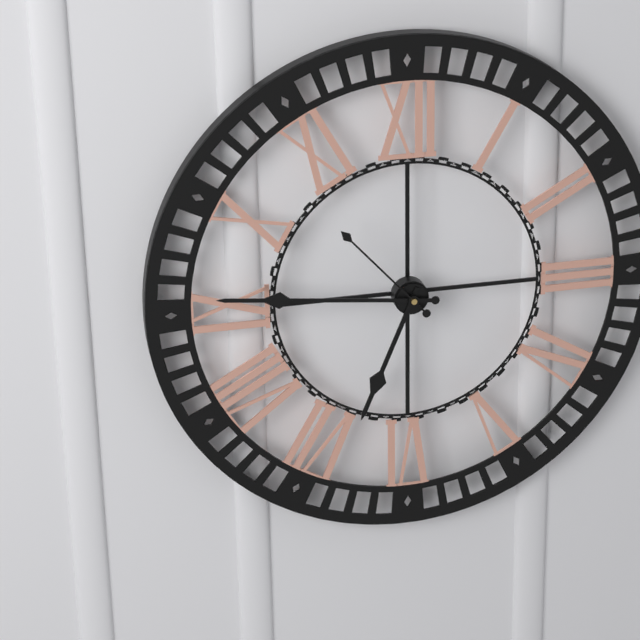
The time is 6:46:53
